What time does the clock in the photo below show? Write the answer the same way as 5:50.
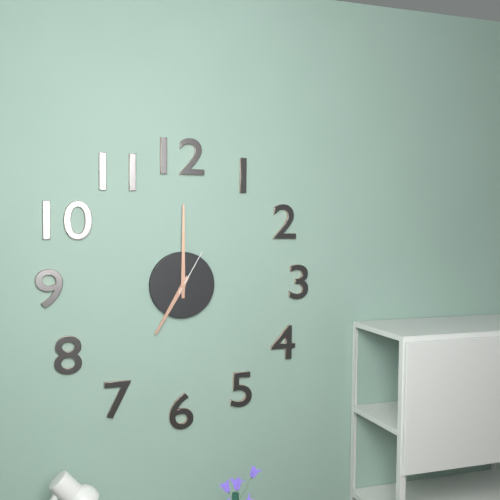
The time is 7:00
